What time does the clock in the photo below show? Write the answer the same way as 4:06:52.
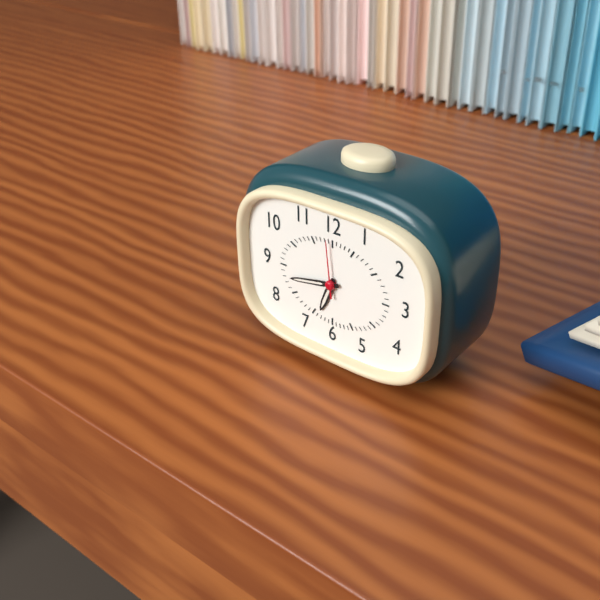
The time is 6:43:59
